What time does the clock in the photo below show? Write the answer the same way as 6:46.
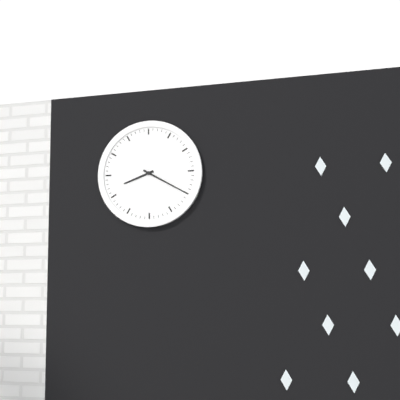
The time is 8:20
